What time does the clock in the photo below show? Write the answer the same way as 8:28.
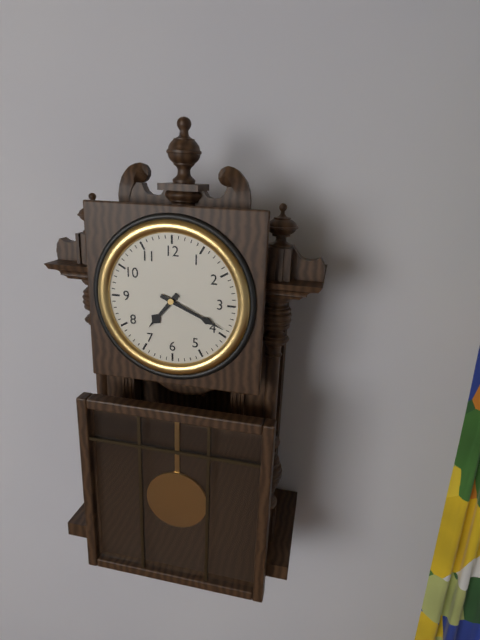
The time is 7:19
